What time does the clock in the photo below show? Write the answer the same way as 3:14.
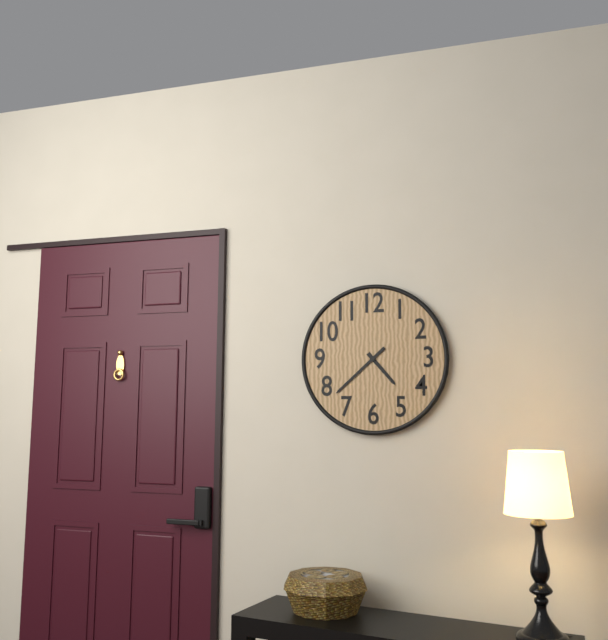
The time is 4:38
